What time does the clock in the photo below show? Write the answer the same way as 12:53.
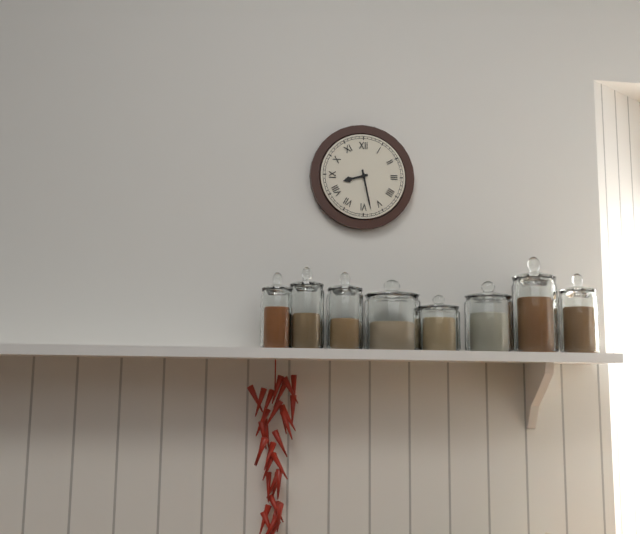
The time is 8:28
